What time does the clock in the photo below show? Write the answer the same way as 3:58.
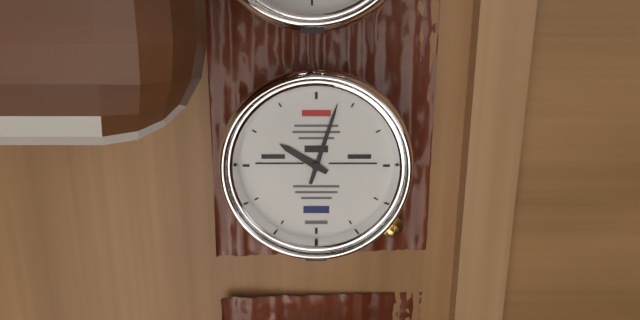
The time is 10:03
